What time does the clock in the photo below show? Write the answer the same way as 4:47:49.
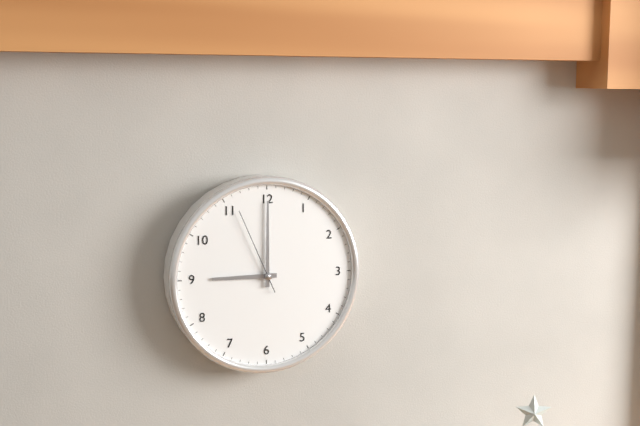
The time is 9:00:56
